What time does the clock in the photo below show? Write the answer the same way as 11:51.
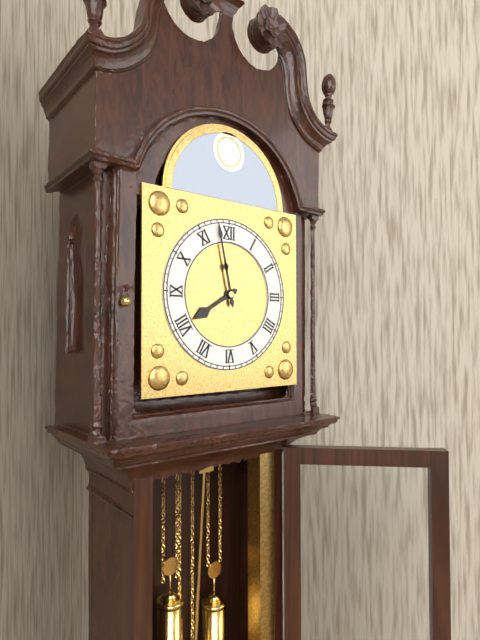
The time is 7:58
